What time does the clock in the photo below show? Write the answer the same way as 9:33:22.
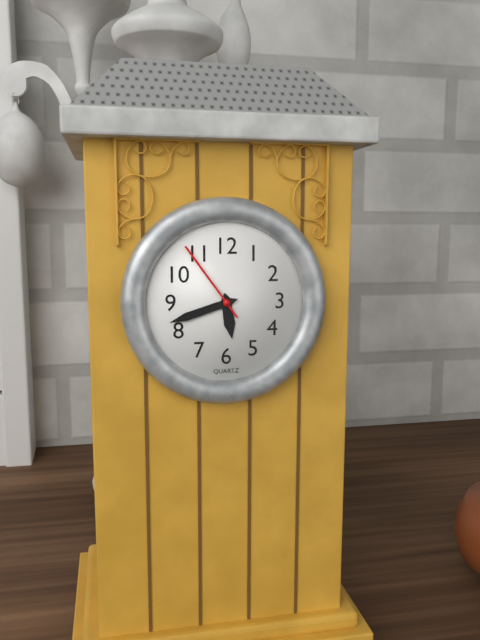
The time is 5:42:54
